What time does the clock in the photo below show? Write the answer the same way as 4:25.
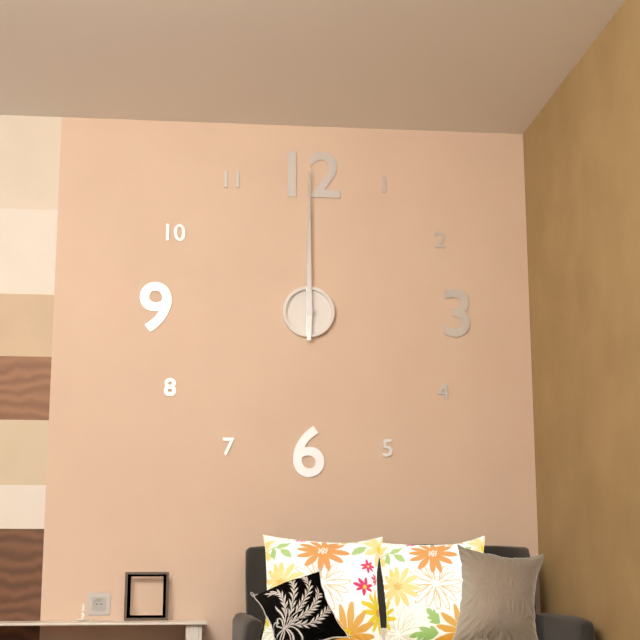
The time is 12:00
